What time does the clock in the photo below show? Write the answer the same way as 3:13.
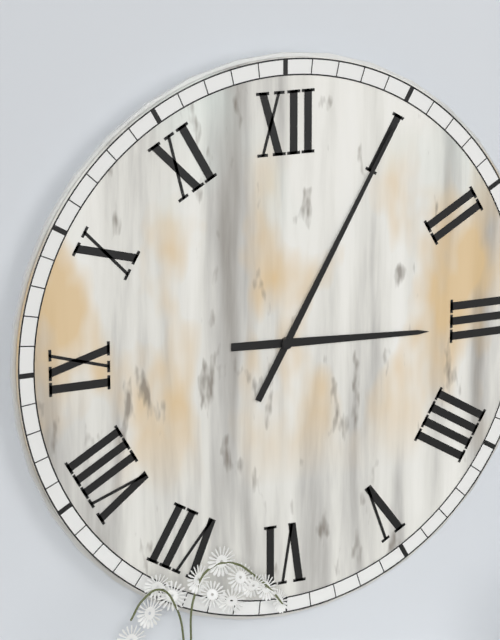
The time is 3:05
